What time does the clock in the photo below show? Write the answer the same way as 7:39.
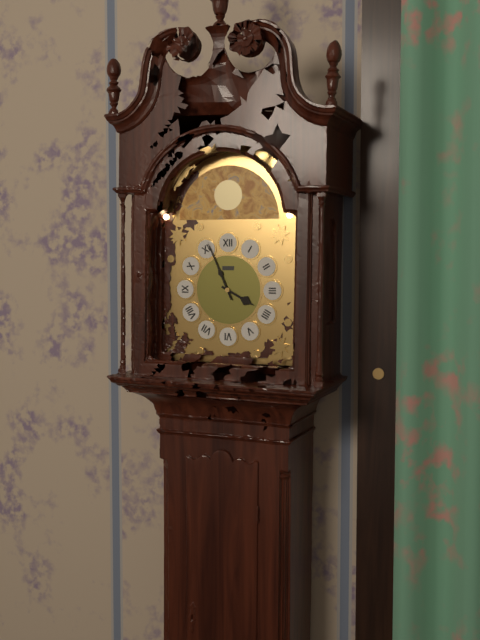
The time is 3:56
